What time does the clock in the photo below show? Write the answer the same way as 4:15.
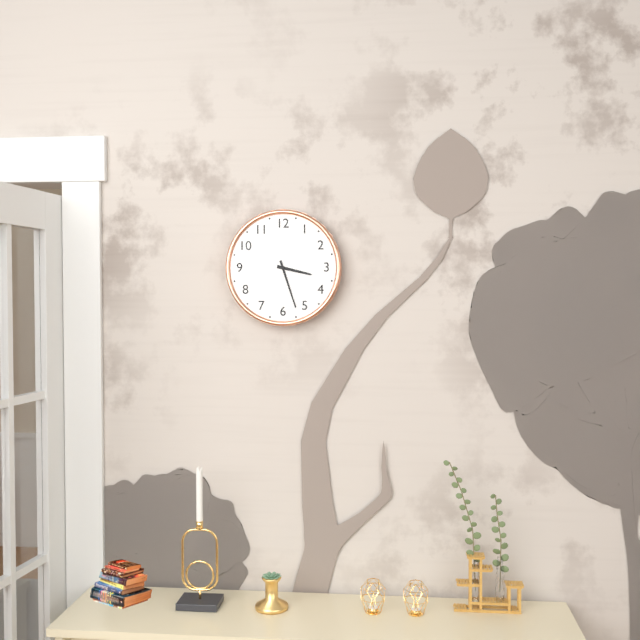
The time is 3:27
